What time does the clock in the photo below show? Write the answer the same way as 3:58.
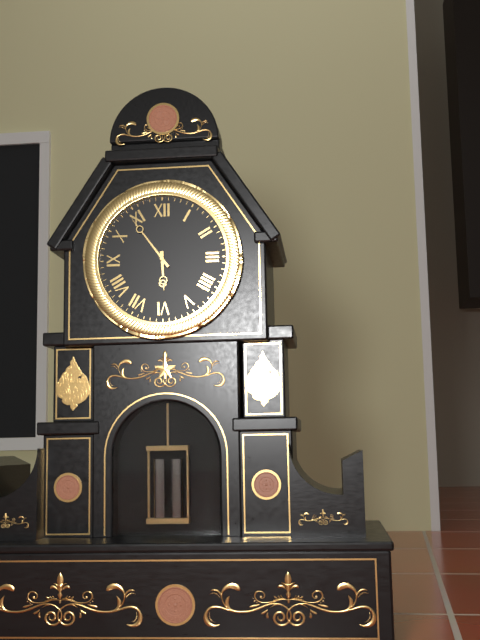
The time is 5:54
